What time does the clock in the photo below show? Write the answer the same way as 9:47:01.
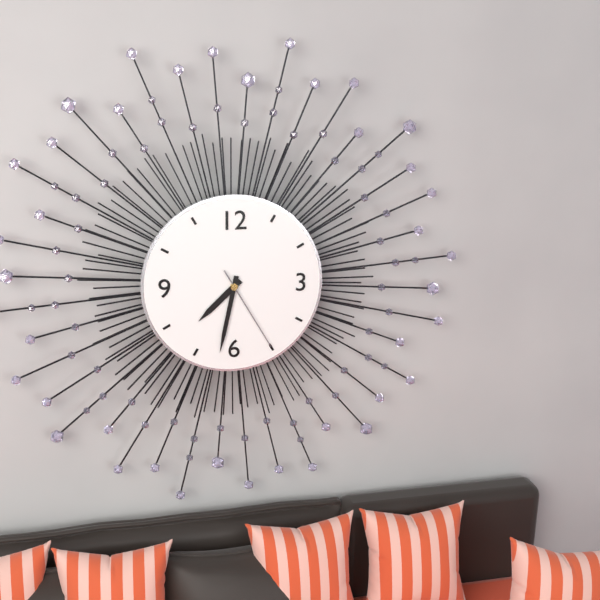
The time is 7:32:25
